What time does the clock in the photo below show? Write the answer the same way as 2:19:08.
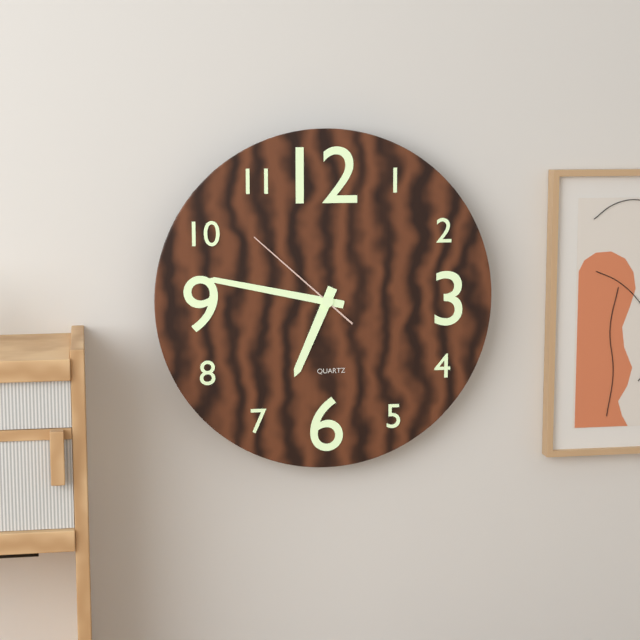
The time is 6:47:52
